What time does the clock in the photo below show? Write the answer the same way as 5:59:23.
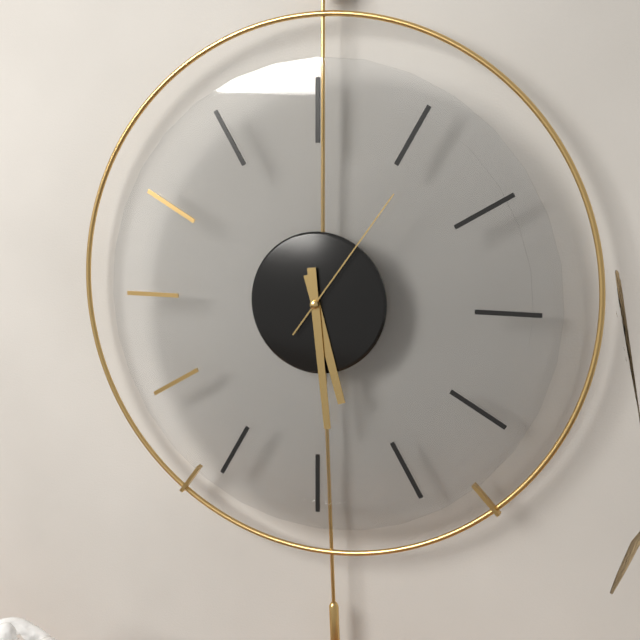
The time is 5:29:06
